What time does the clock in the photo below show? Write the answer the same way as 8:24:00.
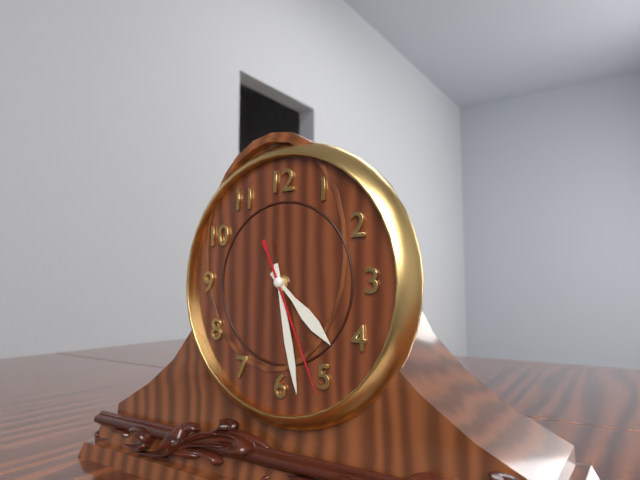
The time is 4:28:26
